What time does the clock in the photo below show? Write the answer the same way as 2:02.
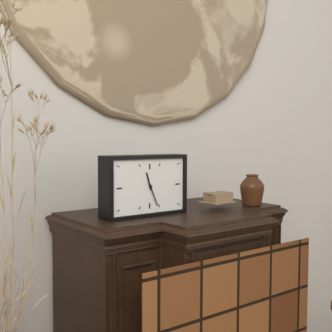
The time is 11:26
